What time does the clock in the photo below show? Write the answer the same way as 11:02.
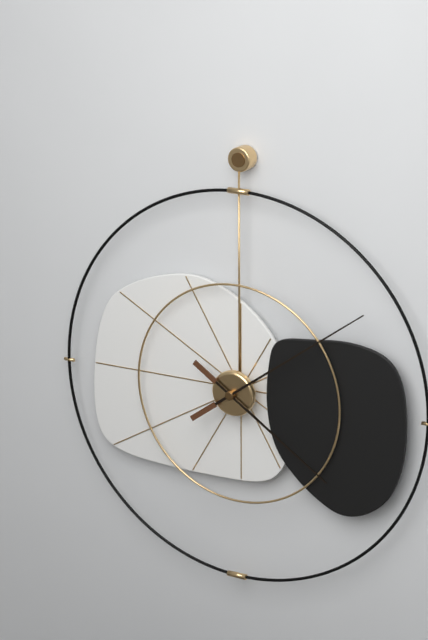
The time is 4:09
